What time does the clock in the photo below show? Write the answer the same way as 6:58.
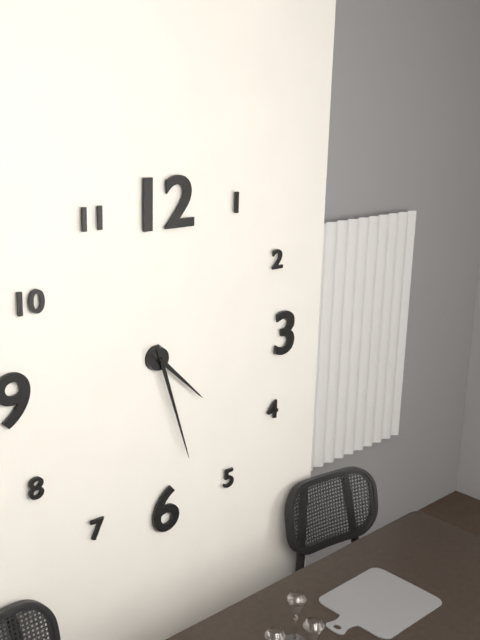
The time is 4:27
